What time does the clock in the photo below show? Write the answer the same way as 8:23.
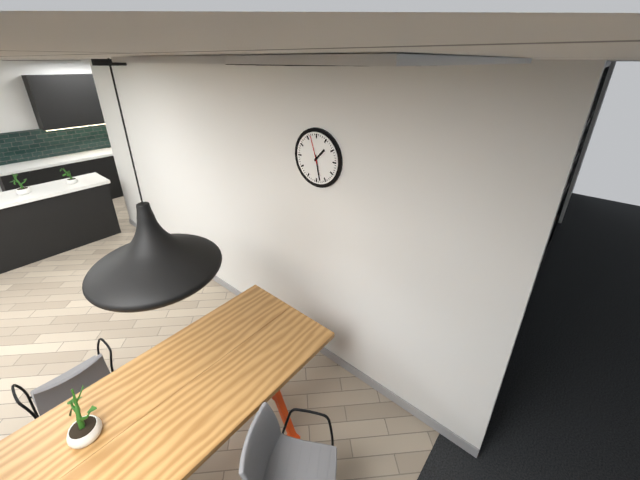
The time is 1:28
